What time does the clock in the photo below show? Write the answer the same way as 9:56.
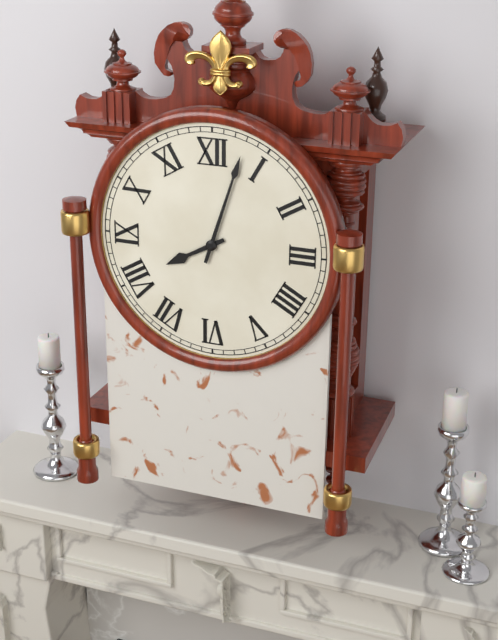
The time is 8:03
